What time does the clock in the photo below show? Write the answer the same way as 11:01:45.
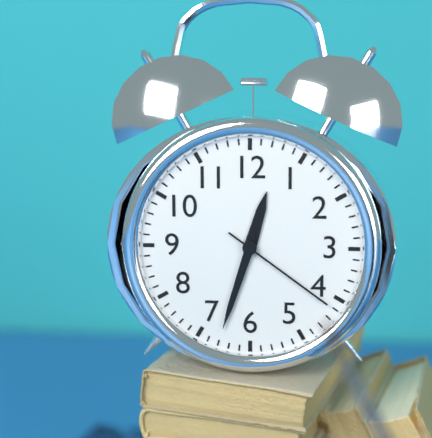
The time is 12:33:21
